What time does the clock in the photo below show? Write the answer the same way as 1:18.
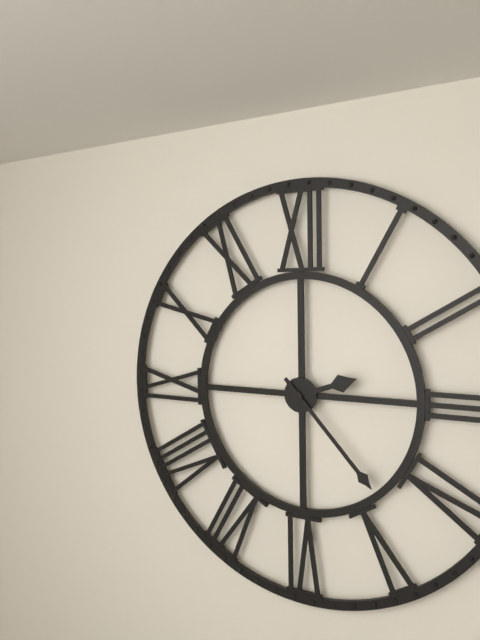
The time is 2:23
